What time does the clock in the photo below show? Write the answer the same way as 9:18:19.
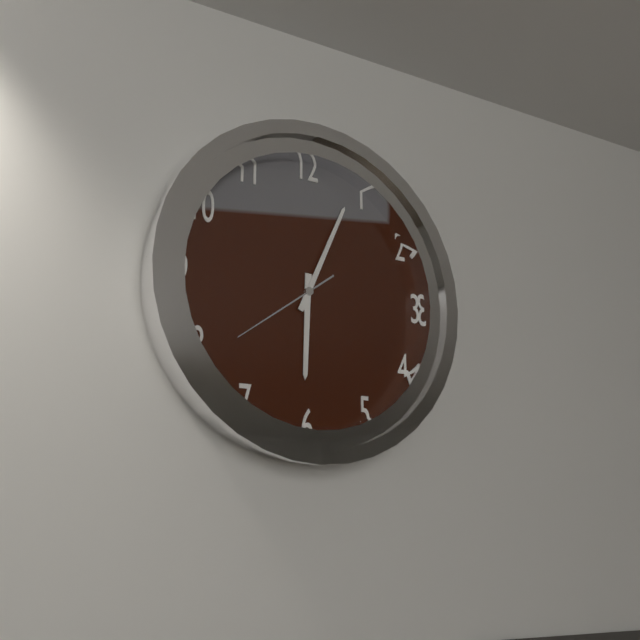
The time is 6:04:39
